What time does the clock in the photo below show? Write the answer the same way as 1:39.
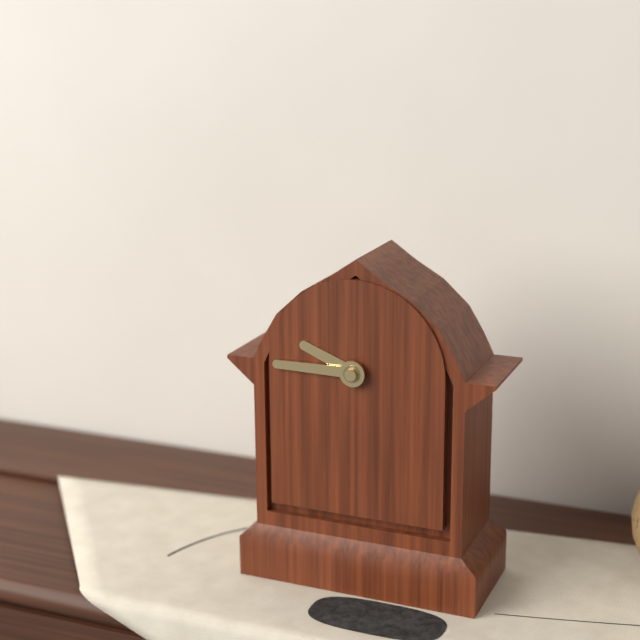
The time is 9:45
